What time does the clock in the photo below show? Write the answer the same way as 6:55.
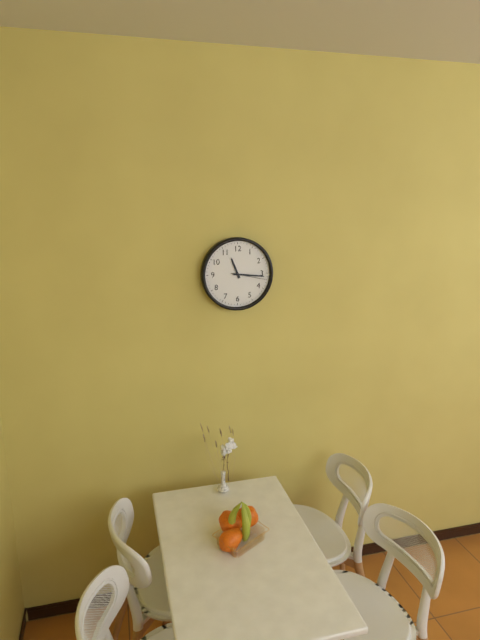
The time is 11:16
